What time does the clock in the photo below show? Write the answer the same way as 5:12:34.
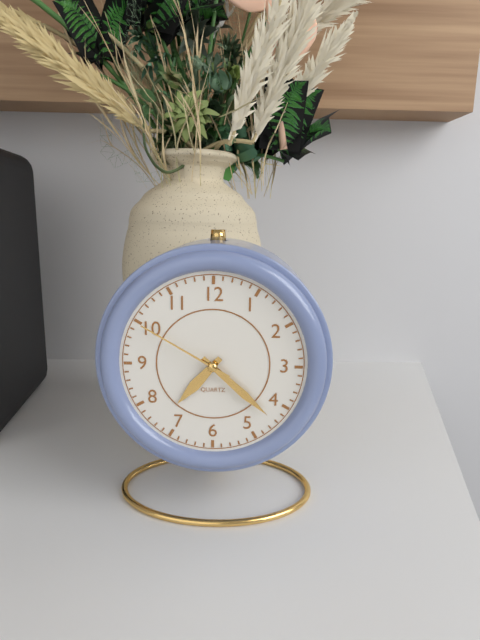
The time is 7:22:50
